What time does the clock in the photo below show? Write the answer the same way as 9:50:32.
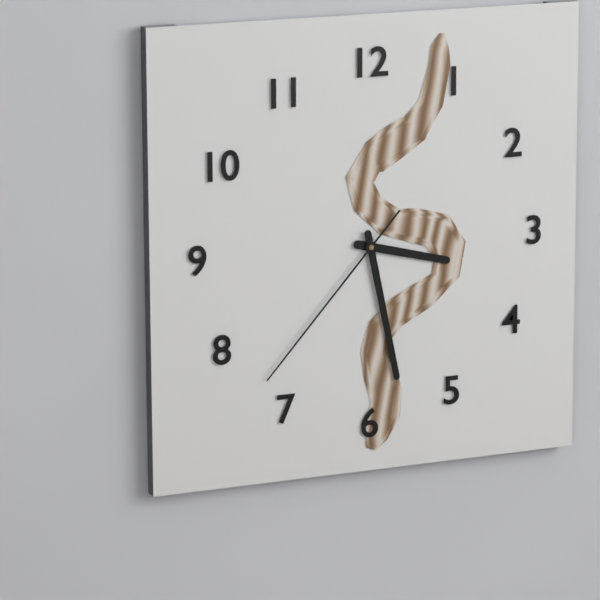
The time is 3:28:37
